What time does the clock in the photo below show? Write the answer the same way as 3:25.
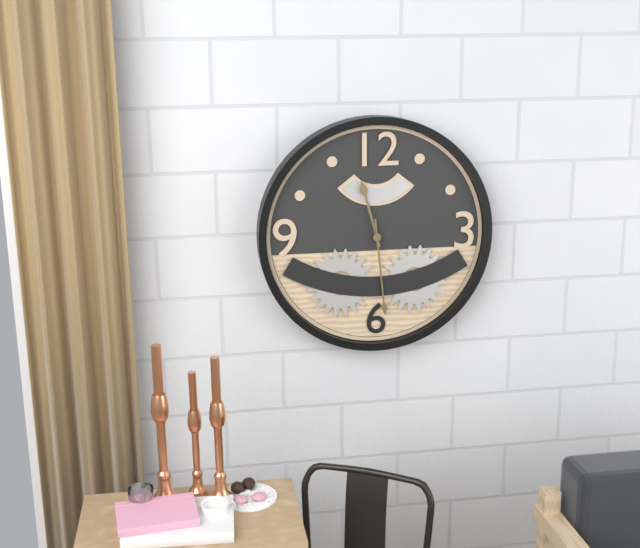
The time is 11:29
